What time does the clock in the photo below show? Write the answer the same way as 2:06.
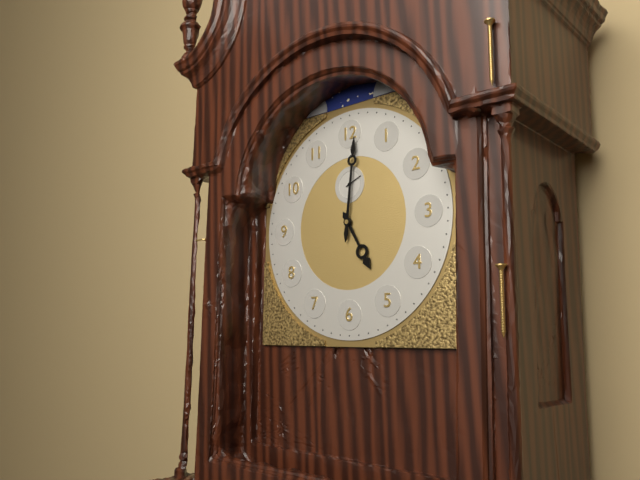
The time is 5:01
